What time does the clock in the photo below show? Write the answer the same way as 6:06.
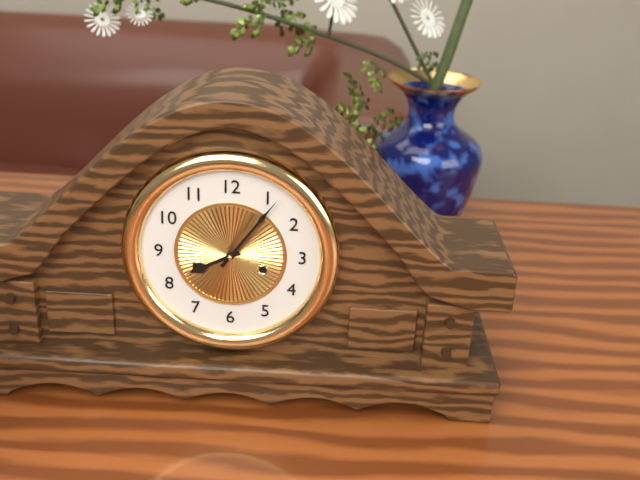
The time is 8:06
